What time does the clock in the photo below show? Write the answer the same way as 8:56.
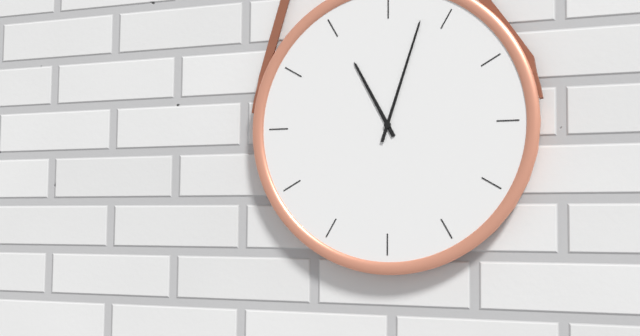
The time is 11:03
